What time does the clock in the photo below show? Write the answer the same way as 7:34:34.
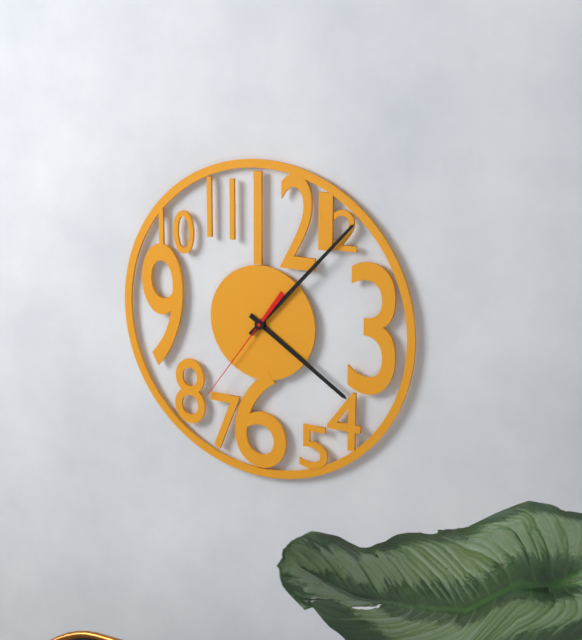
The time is 4:07:36
